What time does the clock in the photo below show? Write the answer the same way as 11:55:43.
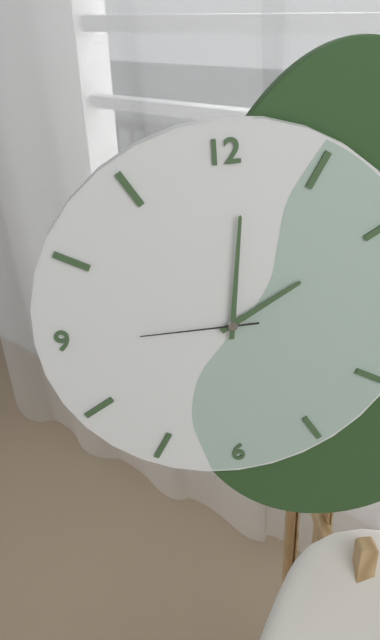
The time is 2:01:45
